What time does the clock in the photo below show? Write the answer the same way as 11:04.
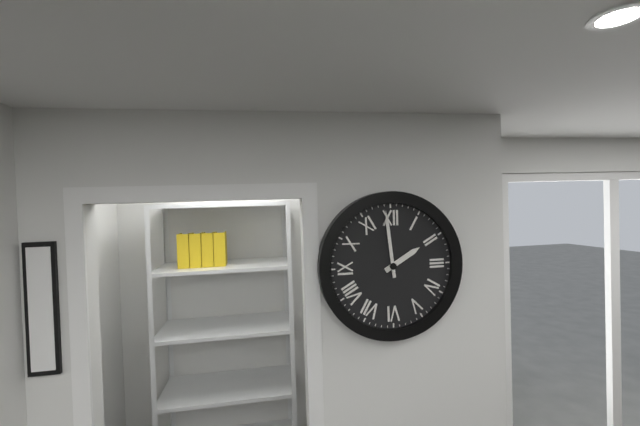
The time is 1:59
